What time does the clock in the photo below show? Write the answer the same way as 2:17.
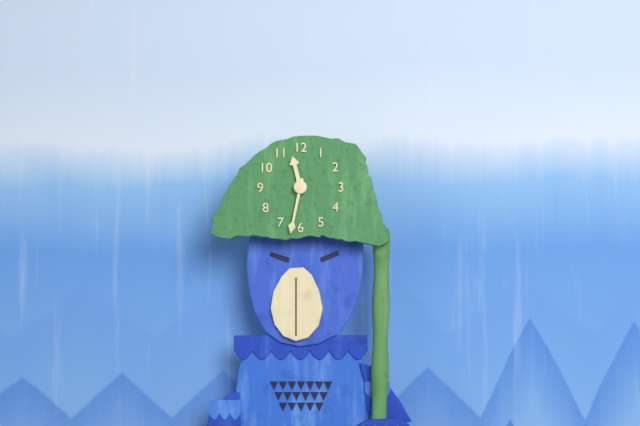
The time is 11:32
